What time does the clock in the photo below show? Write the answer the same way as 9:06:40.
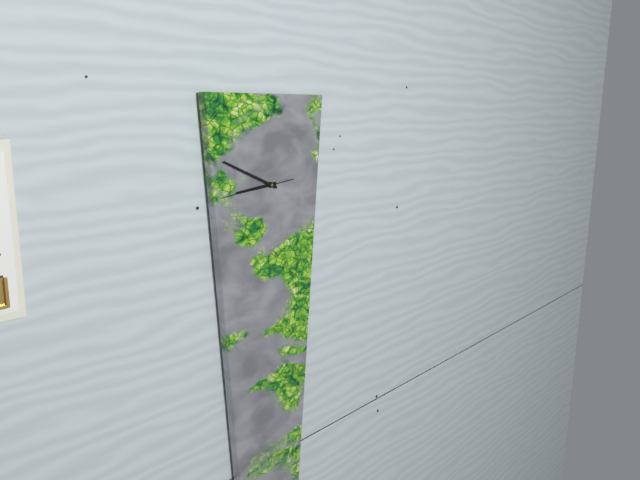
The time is 8:49:44
